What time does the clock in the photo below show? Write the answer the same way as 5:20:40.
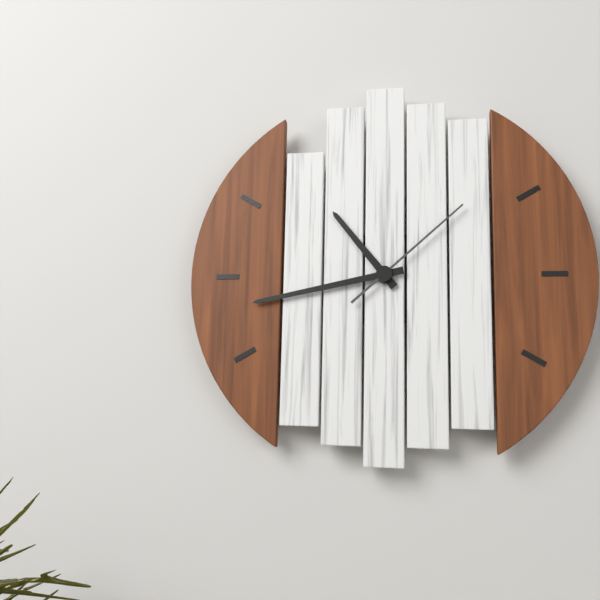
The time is 10:43:08
